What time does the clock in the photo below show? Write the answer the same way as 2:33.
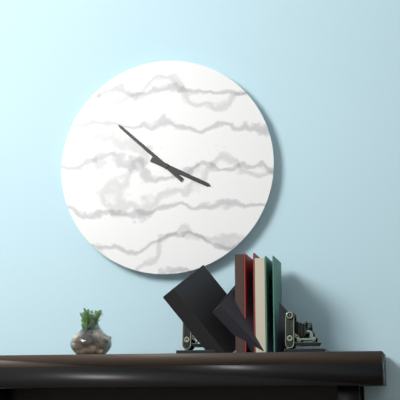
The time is 3:52
